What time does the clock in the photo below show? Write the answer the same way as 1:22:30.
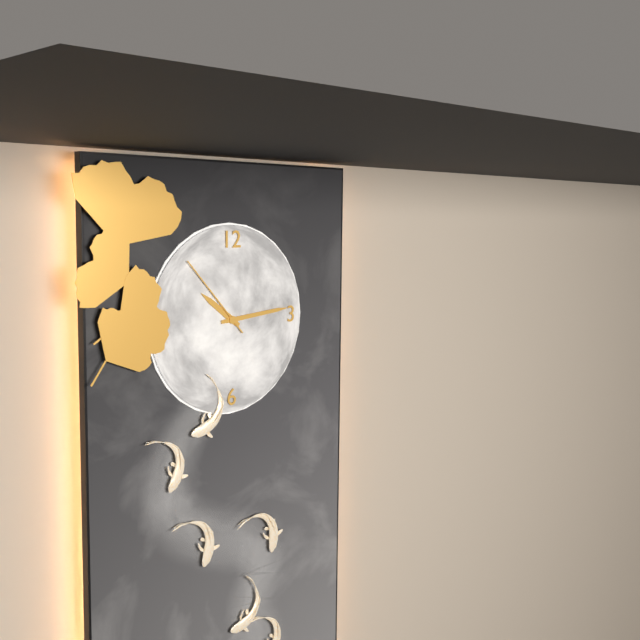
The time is 10:14:53
